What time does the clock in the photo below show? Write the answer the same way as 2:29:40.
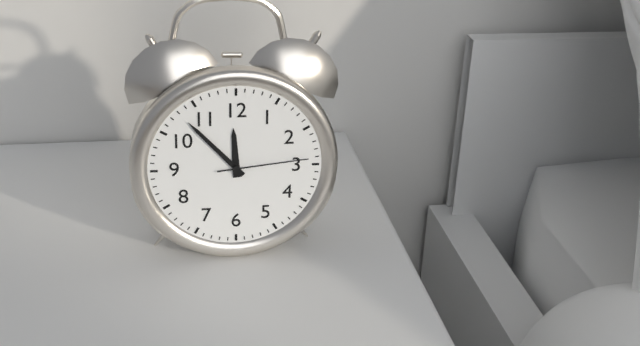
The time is 11:53:14
